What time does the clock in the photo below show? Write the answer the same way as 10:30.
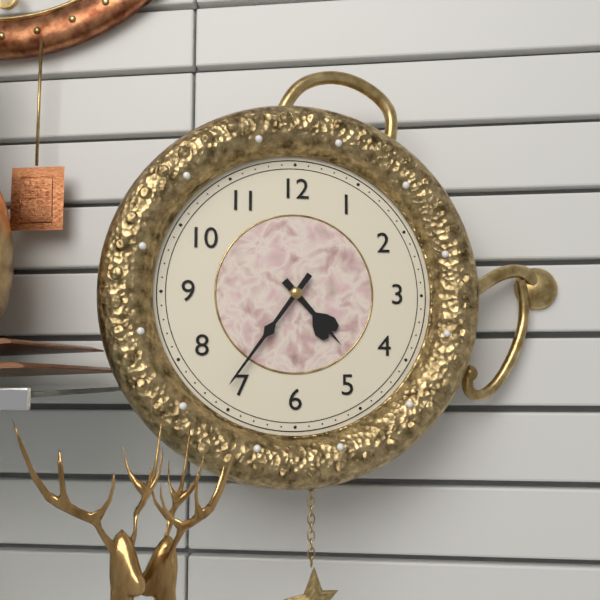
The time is 4:36
